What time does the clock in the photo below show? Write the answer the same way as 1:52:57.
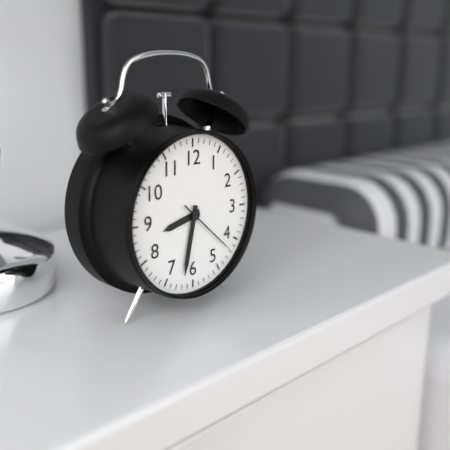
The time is 8:32:22
